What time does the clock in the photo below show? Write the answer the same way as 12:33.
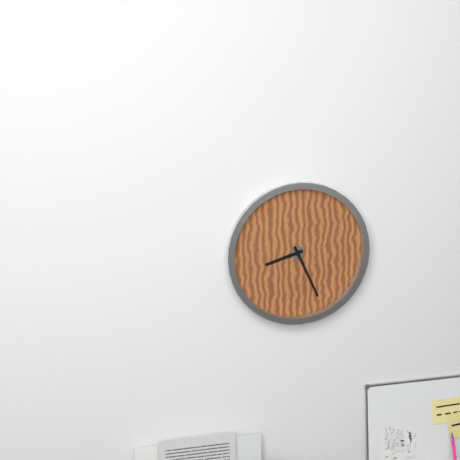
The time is 8:26
